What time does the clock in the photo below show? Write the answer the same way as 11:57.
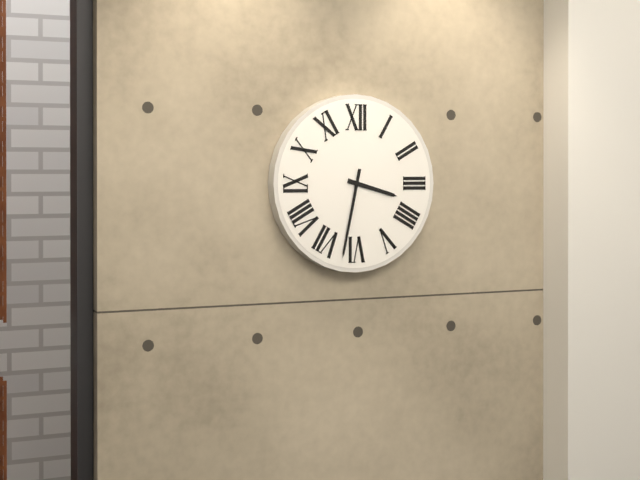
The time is 3:32
